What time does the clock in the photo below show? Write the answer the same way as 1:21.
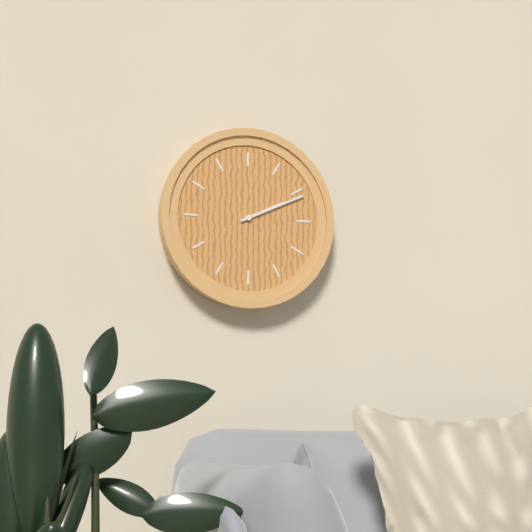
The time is 2:11
